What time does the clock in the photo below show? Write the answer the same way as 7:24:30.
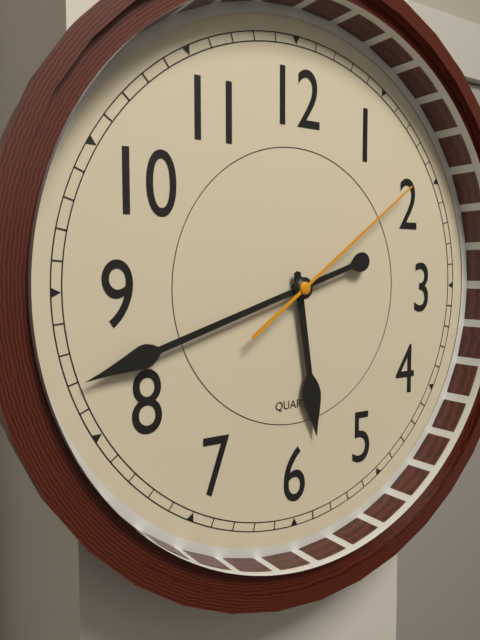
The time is 5:42:09
